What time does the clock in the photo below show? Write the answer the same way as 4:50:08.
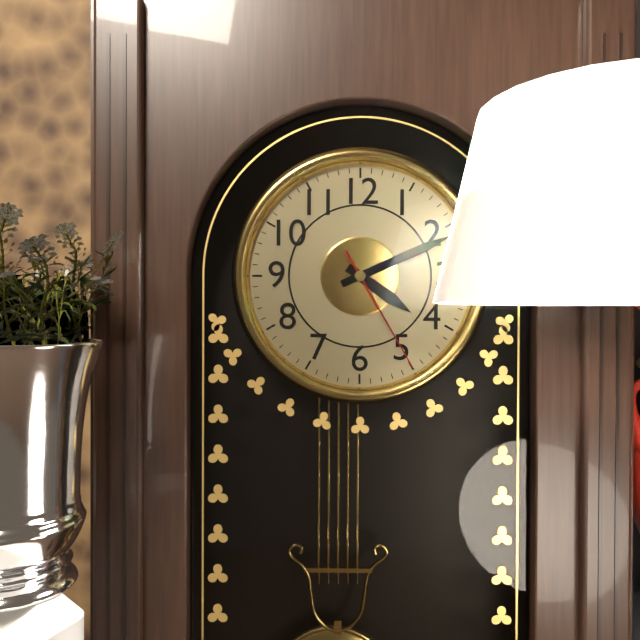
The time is 4:11:25
